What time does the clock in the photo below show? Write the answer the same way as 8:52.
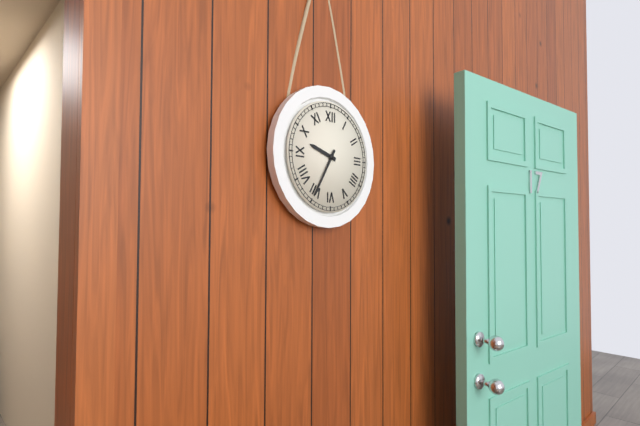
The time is 9:35
